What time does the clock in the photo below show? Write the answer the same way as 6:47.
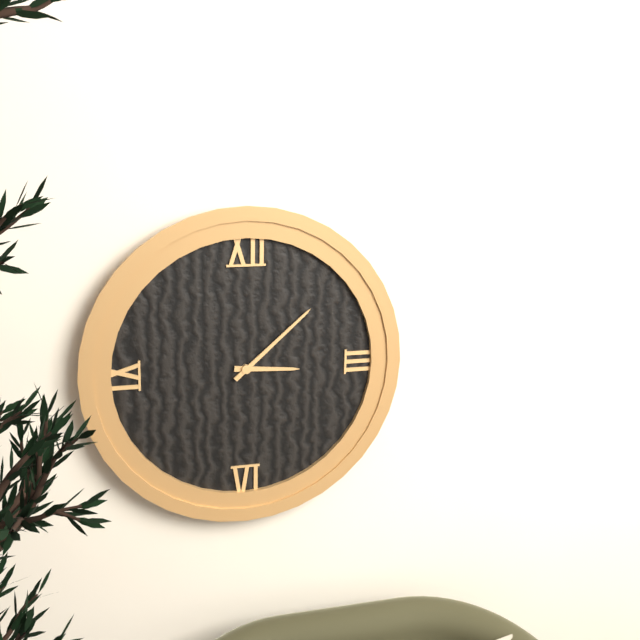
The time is 3:08
